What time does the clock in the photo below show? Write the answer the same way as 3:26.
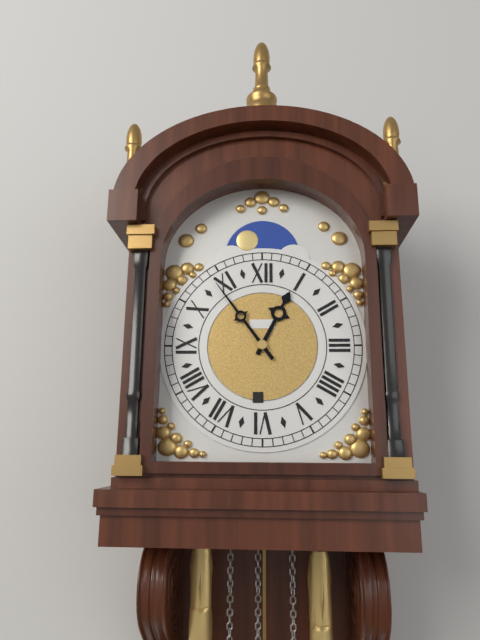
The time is 12:54
